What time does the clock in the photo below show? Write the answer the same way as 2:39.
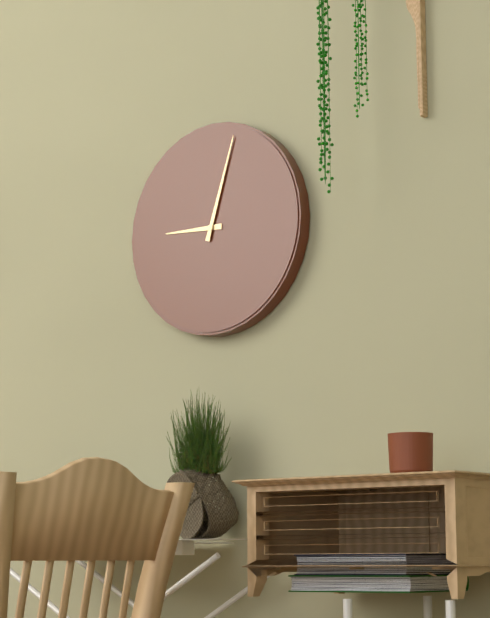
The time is 9:03
